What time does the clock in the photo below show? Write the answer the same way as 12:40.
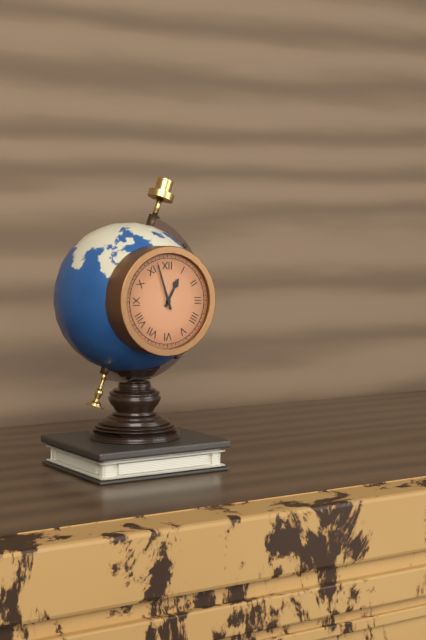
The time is 12:57
